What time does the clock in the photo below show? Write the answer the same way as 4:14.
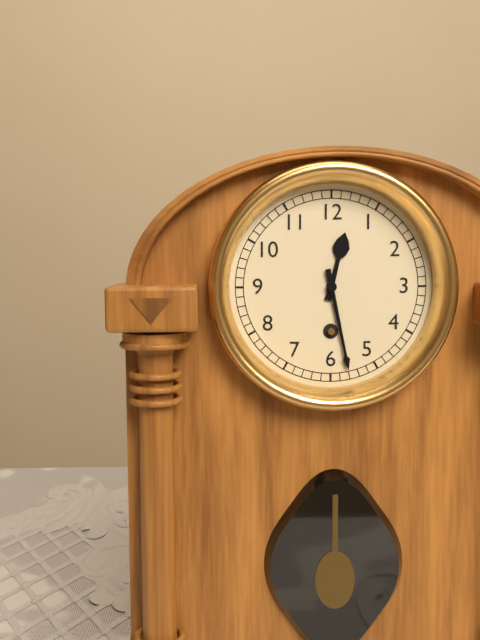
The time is 12:28
